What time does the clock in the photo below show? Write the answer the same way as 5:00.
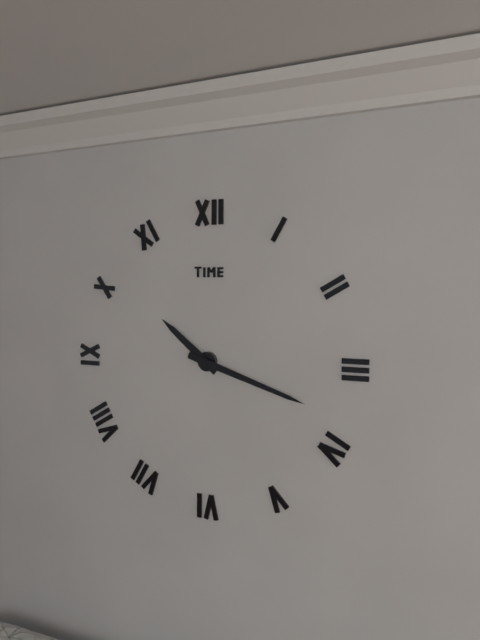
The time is 10:18
